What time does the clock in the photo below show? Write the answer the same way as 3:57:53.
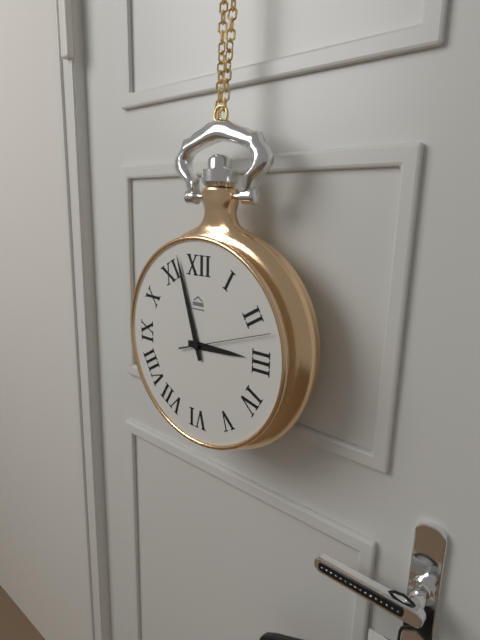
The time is 2:57:12
